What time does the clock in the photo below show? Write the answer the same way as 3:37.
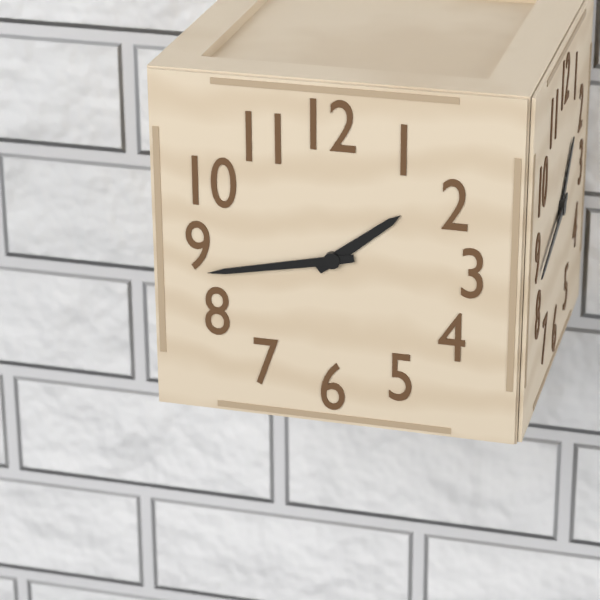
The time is 1:43
